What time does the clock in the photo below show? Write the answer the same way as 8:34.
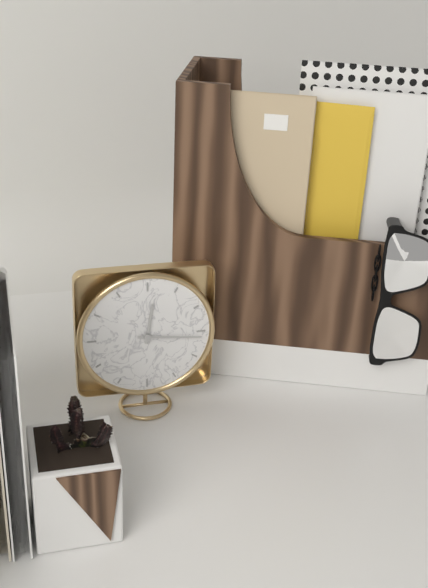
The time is 12:16
